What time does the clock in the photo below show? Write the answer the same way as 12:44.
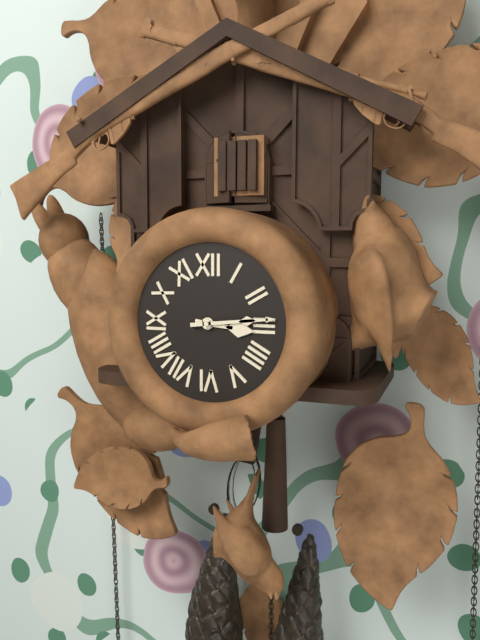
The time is 3:14
